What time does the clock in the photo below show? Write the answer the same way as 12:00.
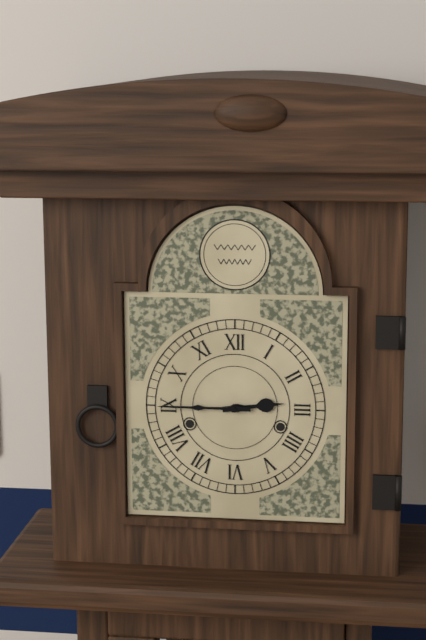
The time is 2:45
